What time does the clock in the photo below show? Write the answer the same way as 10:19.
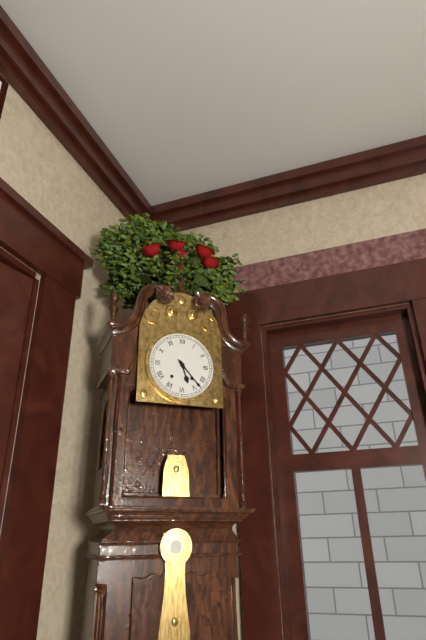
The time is 5:23
